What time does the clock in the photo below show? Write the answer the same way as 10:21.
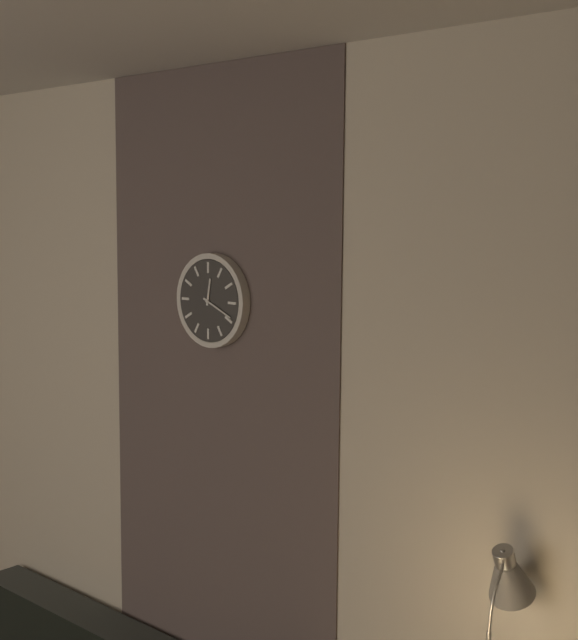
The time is 12:19
